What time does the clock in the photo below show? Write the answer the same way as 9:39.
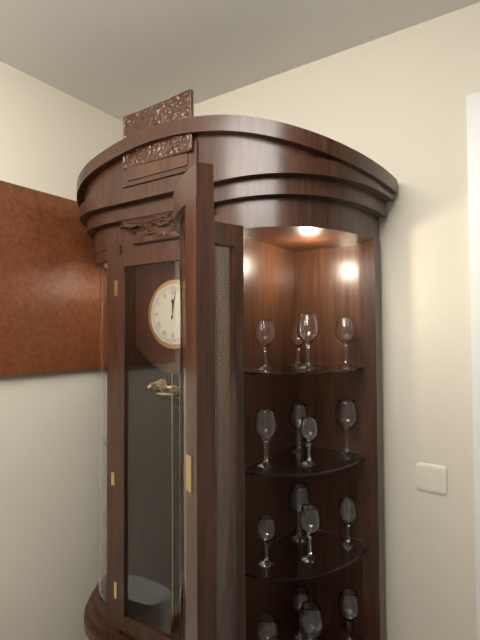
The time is 12:02
